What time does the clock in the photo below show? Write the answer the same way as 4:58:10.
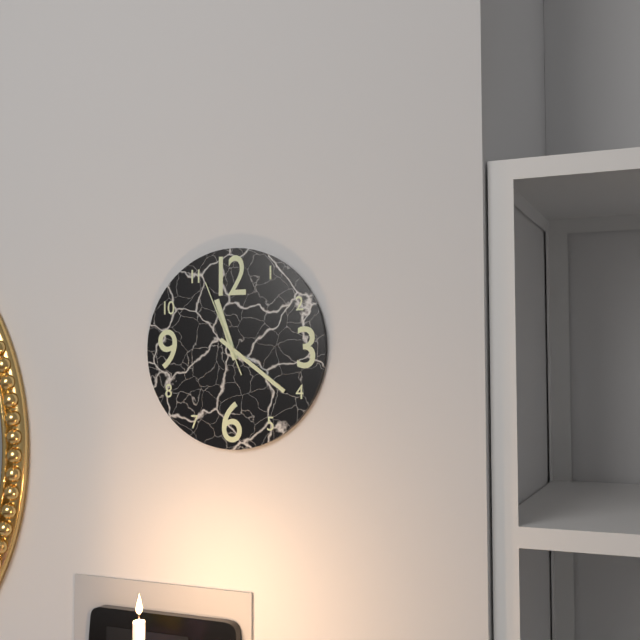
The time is 11:21:56
